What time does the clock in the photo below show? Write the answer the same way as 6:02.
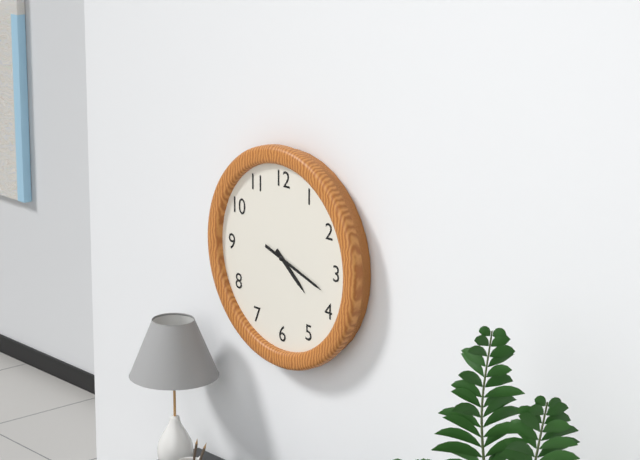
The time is 4:18
